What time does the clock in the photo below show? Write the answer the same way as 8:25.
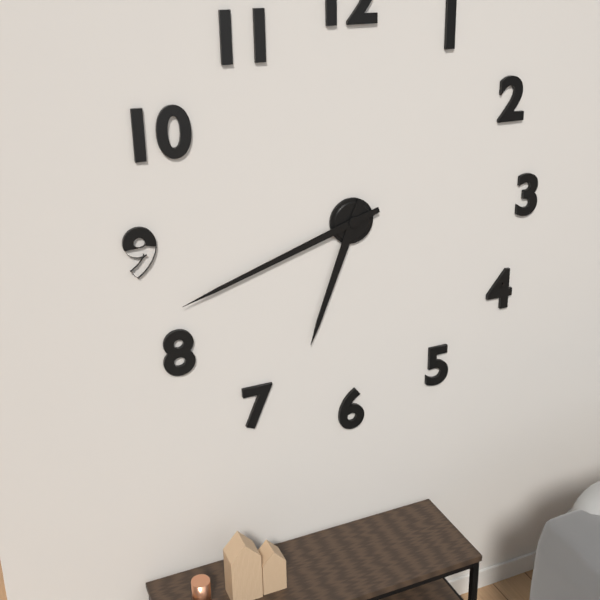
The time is 6:42
